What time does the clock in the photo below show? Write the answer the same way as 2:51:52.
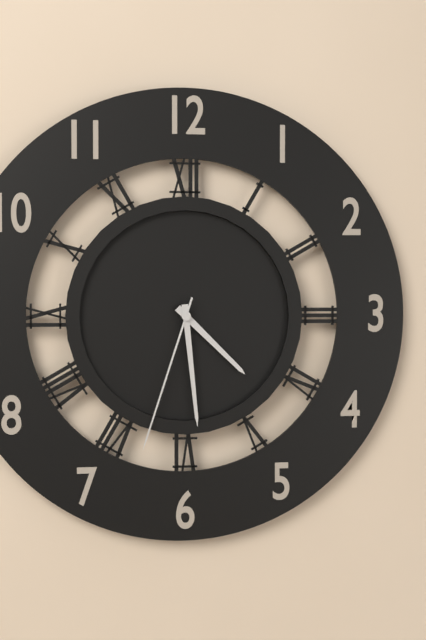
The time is 4:29:33
